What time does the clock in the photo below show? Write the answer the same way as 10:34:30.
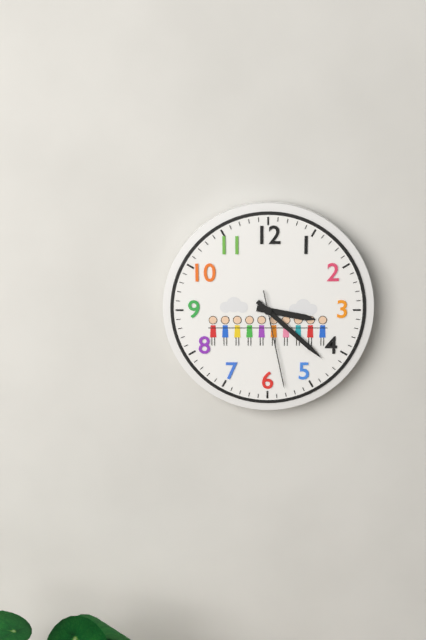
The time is 3:22:28
